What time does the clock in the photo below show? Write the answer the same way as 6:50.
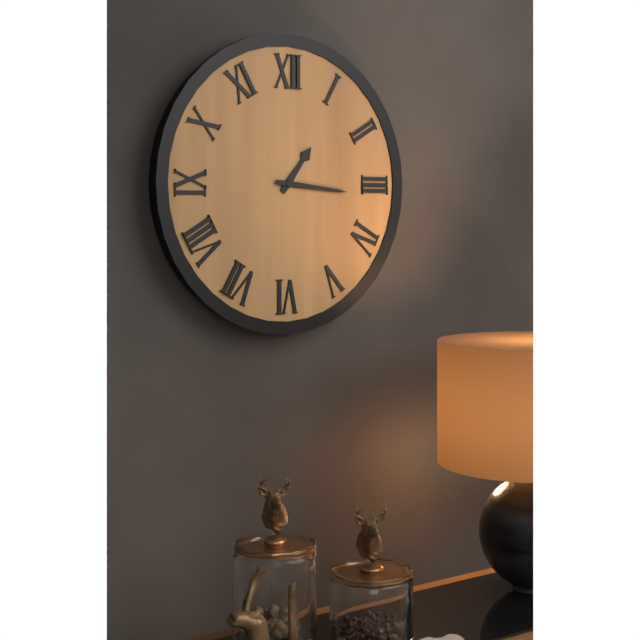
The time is 1:16
